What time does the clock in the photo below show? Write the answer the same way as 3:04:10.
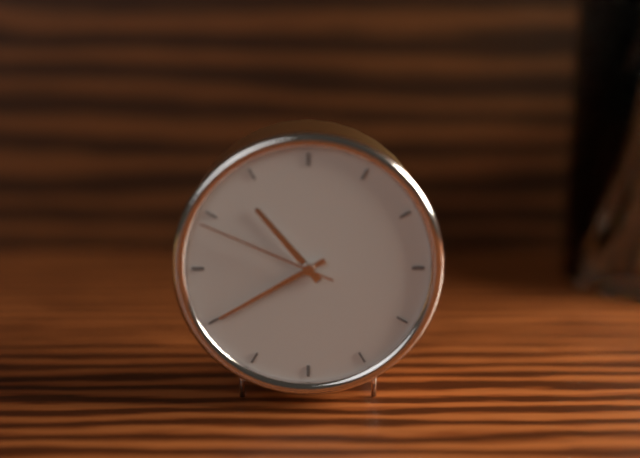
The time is 10:40:49
